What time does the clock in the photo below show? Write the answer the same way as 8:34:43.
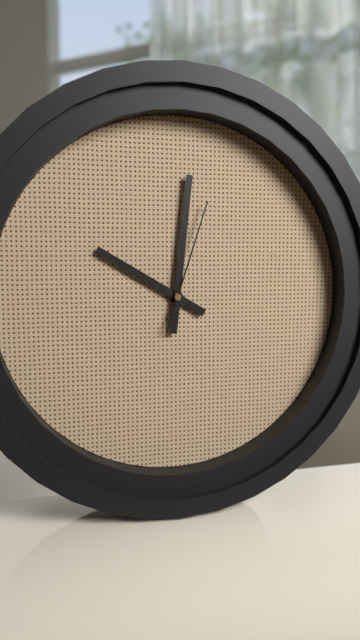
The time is 10:01:03
